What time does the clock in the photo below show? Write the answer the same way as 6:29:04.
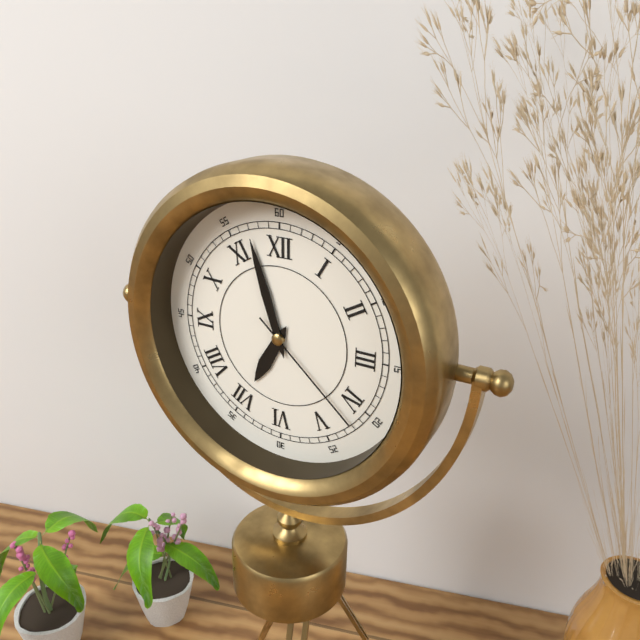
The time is 6:57:22
